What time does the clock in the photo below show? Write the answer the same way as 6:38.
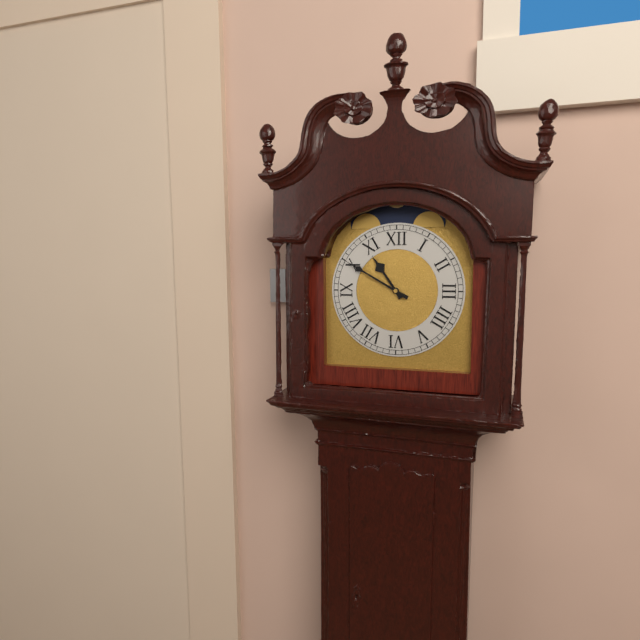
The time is 10:50
